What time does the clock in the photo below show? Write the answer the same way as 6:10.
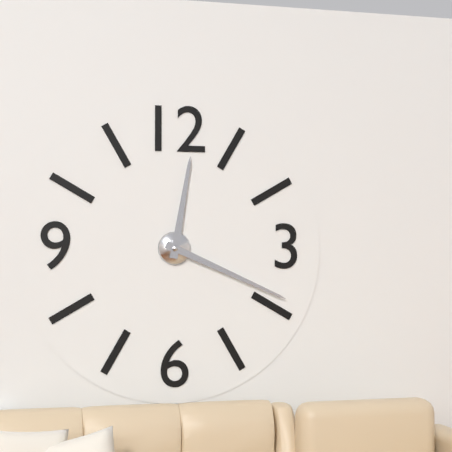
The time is 12:19
